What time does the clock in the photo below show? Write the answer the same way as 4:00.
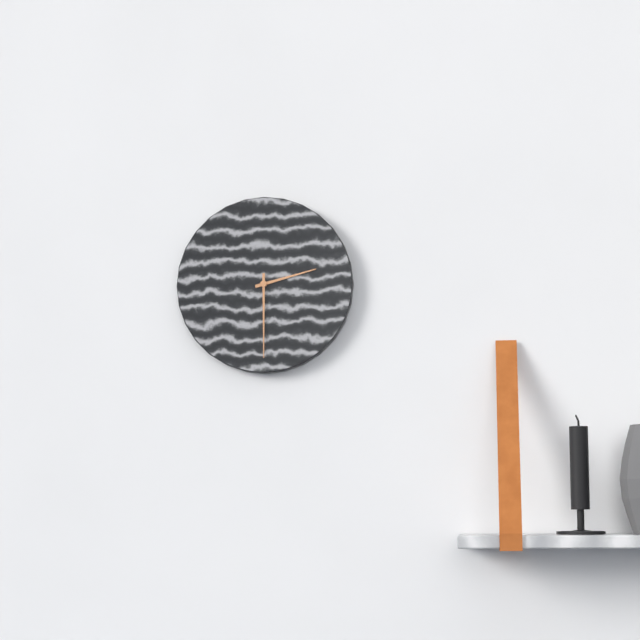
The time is 2:30
